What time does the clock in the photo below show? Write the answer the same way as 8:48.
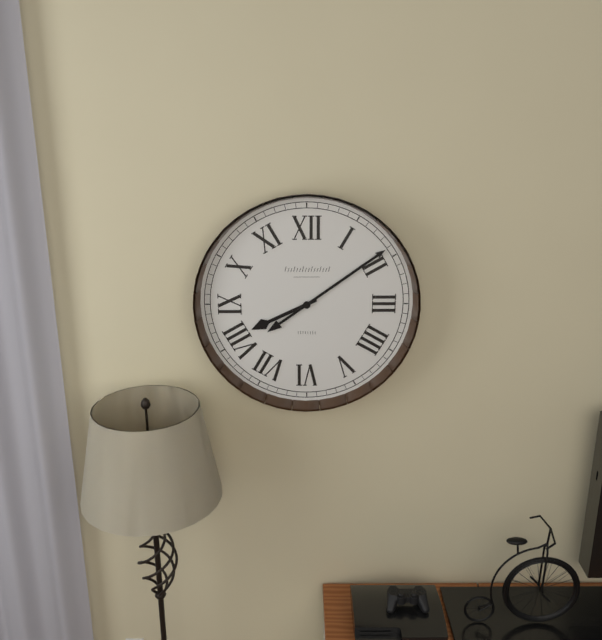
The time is 8:09
